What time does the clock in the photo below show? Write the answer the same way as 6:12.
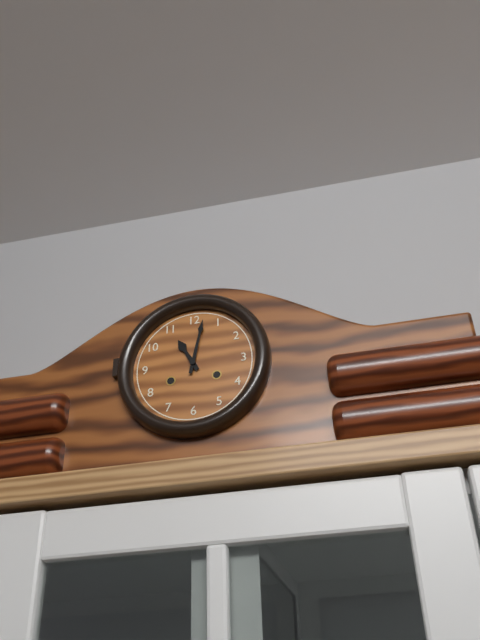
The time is 11:02
